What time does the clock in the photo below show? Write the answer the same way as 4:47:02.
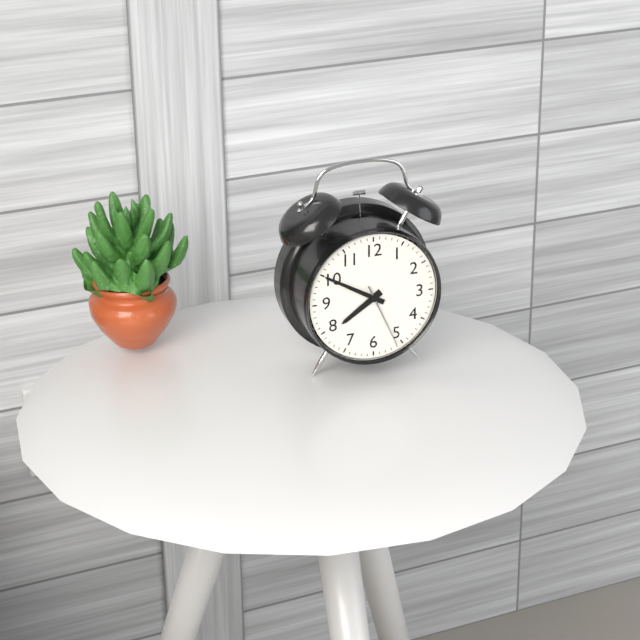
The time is 7:50:26
